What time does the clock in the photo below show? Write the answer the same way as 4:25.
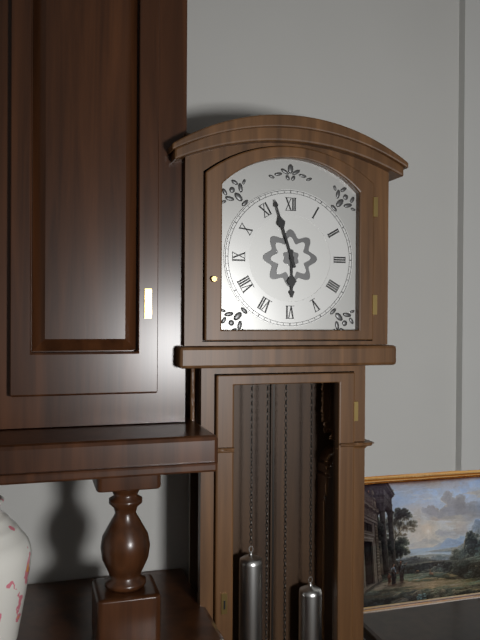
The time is 5:57
